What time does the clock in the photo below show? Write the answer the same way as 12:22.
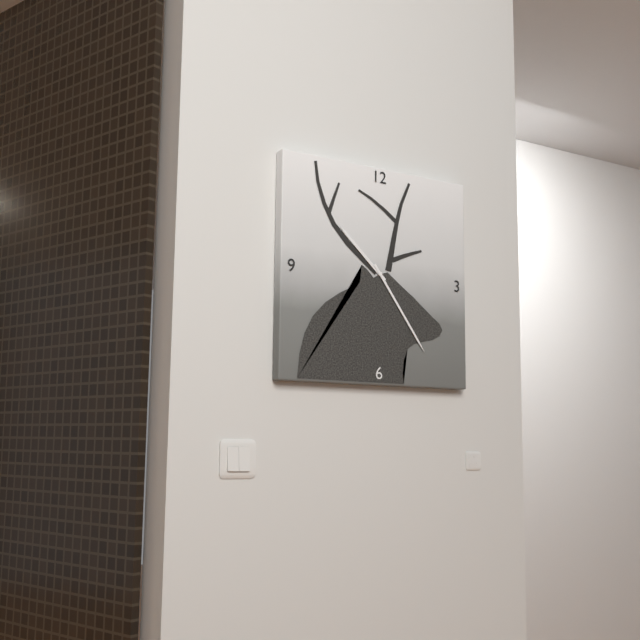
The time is 10:24
